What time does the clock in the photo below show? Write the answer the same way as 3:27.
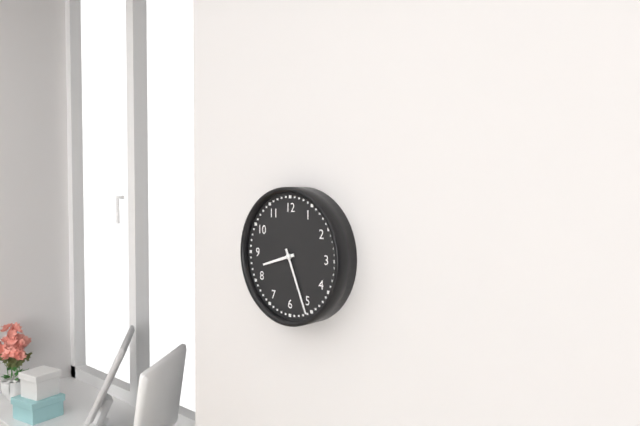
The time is 8:26
